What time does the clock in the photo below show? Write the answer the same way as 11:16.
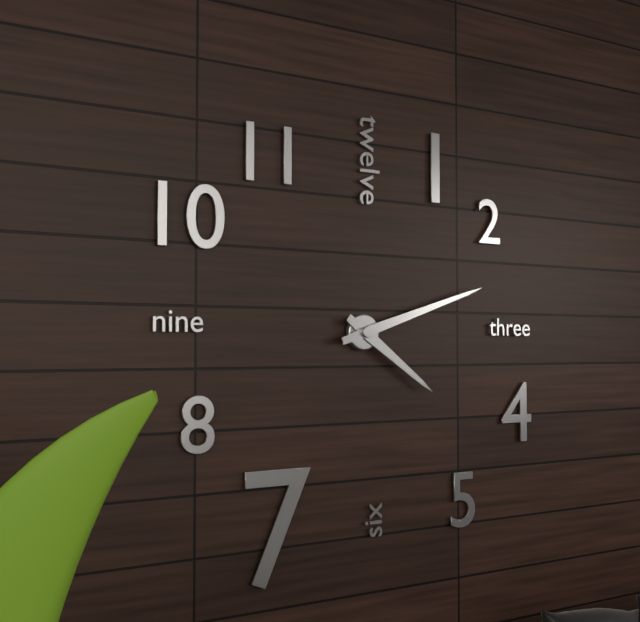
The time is 4:12
